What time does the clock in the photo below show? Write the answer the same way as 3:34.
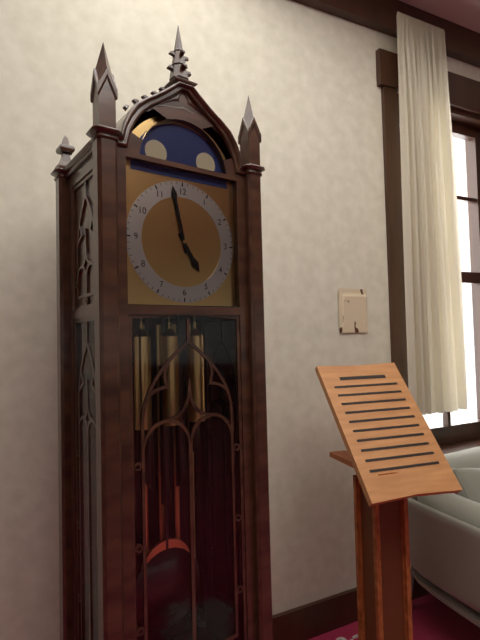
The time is 4:58
